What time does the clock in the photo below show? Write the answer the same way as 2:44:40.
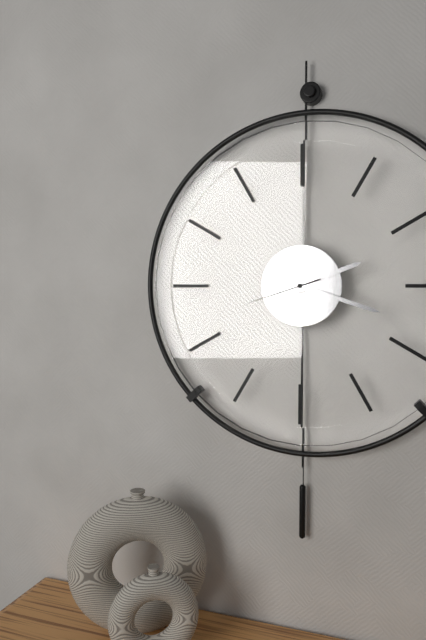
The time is 2:18:42
